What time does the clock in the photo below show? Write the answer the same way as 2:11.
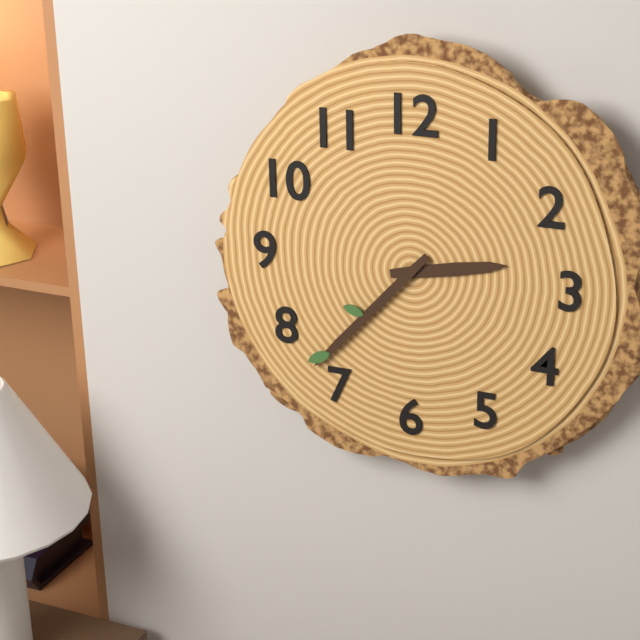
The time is 2:37
